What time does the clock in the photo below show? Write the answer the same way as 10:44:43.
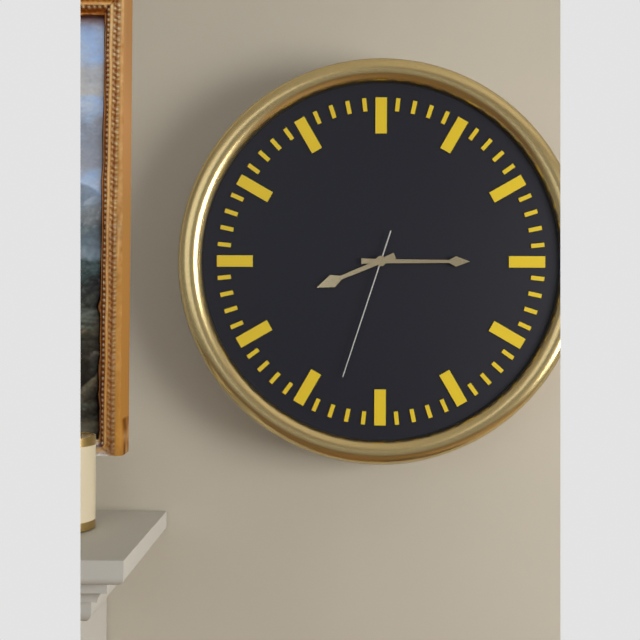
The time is 8:15:33
